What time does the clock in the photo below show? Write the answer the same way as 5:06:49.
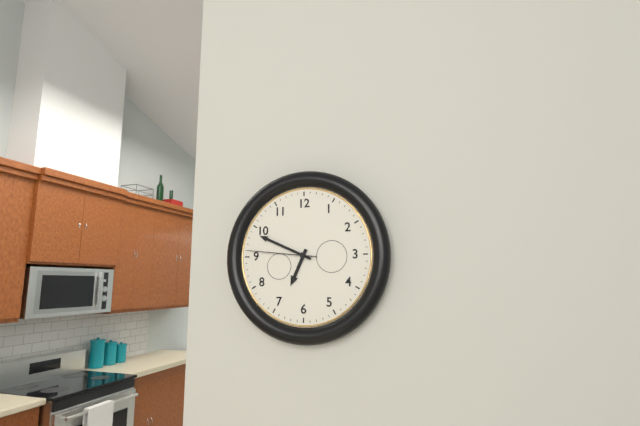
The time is 6:49:46
